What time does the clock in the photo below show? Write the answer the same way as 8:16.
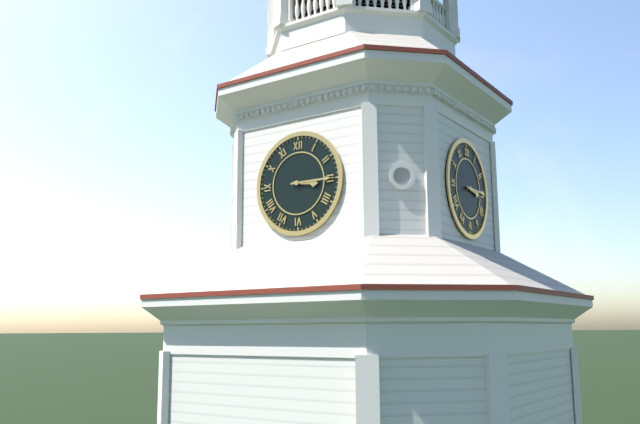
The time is 3:15
